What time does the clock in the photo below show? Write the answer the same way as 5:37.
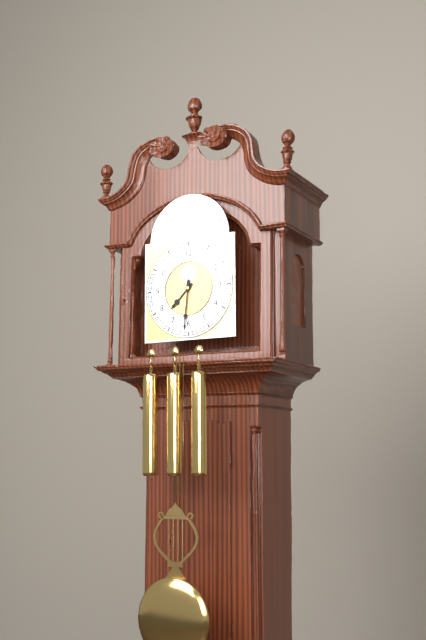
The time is 7:31
